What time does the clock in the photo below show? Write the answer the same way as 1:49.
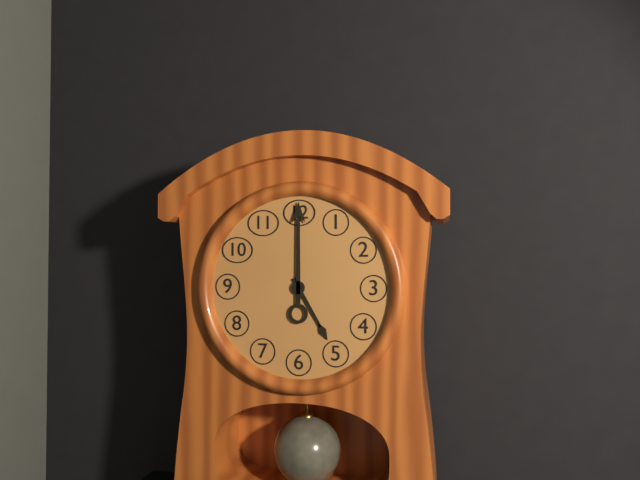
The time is 5:00
